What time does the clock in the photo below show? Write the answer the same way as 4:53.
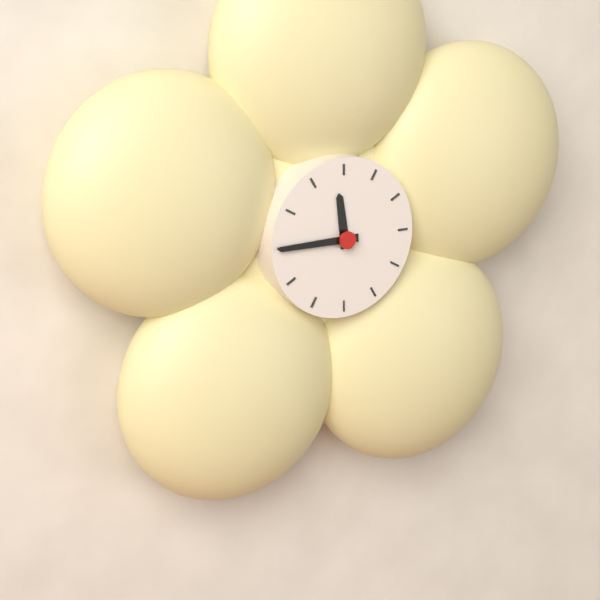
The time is 11:45
